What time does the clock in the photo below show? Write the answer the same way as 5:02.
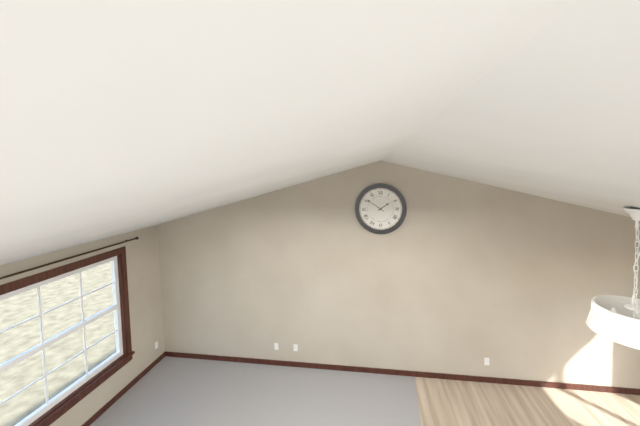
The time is 1:51
